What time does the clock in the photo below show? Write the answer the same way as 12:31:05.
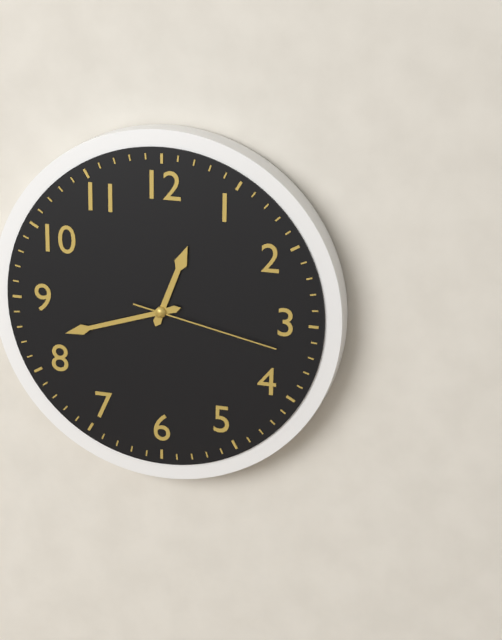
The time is 12:42:17
